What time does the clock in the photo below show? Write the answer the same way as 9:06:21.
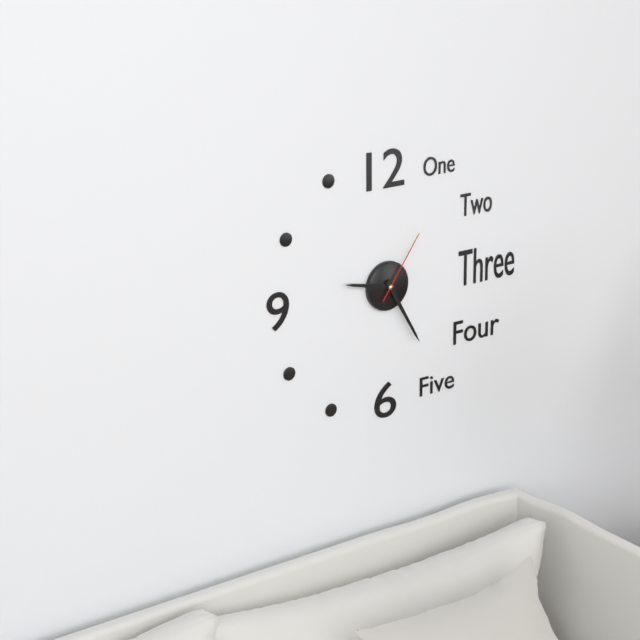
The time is 9:25:06
